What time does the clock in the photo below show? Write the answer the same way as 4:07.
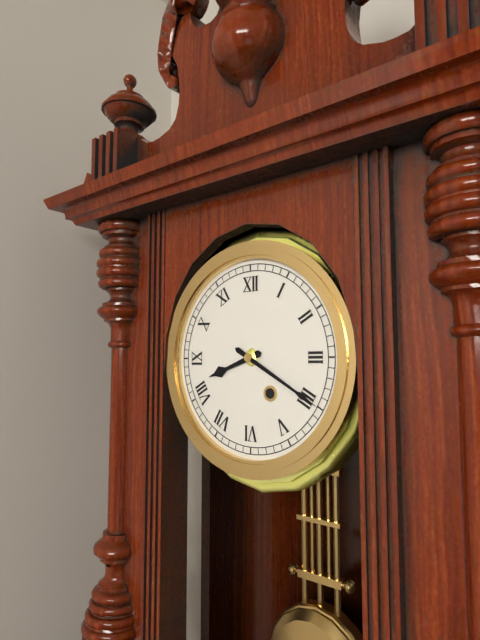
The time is 8:20
